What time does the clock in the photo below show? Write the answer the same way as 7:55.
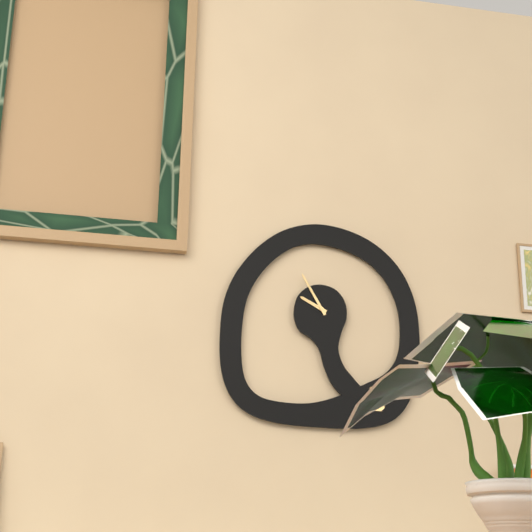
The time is 9:55
